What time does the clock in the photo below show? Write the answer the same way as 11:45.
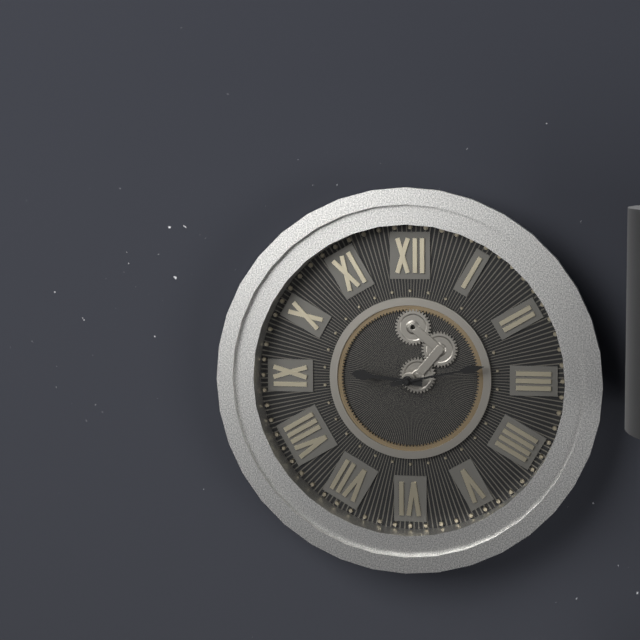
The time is 9:13
